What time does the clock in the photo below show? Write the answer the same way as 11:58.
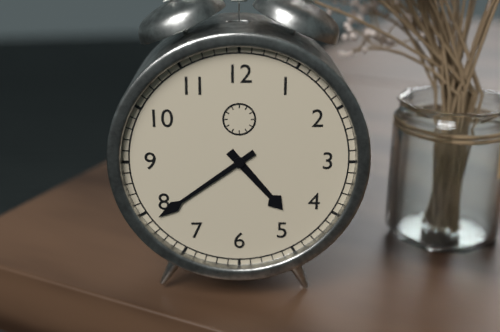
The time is 4:39
